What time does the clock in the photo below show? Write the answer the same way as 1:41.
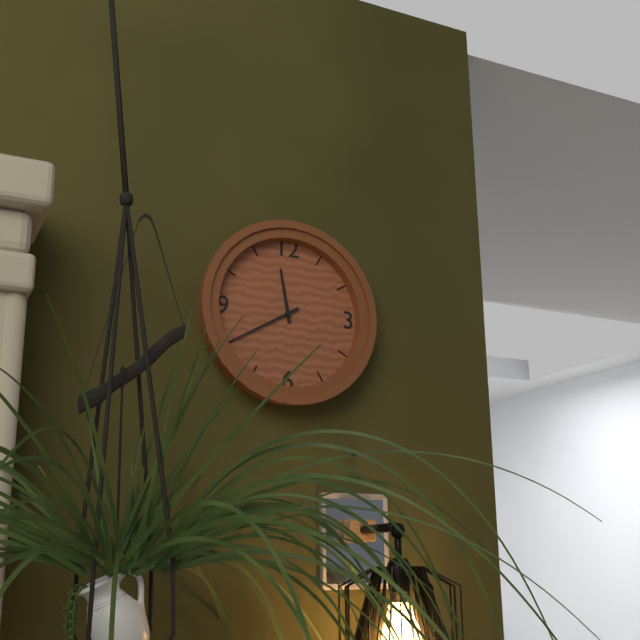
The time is 11:40
